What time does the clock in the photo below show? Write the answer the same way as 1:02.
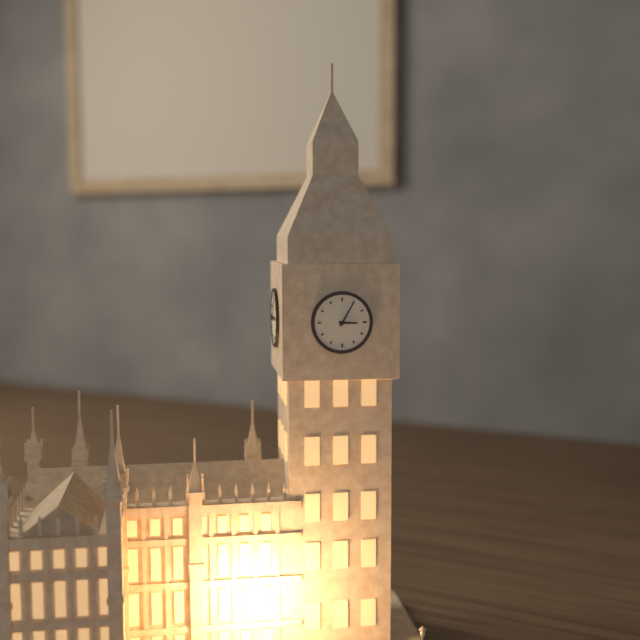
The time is 3:05
